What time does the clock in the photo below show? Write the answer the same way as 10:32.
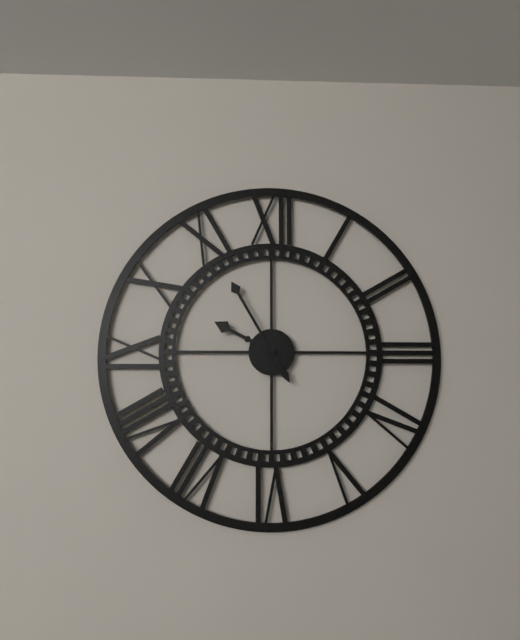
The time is 9:55
